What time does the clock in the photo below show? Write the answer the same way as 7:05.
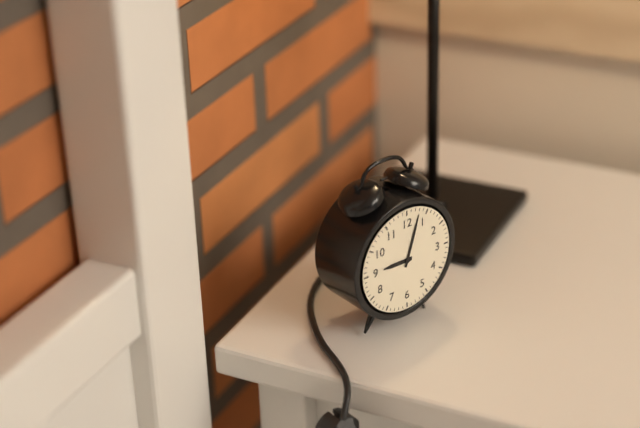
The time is 9:03
